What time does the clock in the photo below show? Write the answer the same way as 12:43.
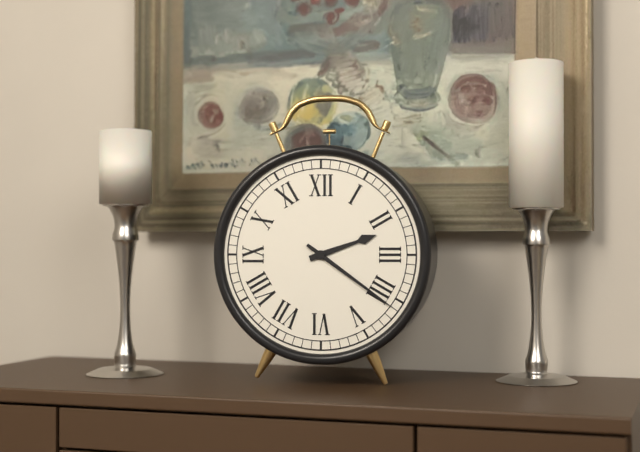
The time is 2:21
